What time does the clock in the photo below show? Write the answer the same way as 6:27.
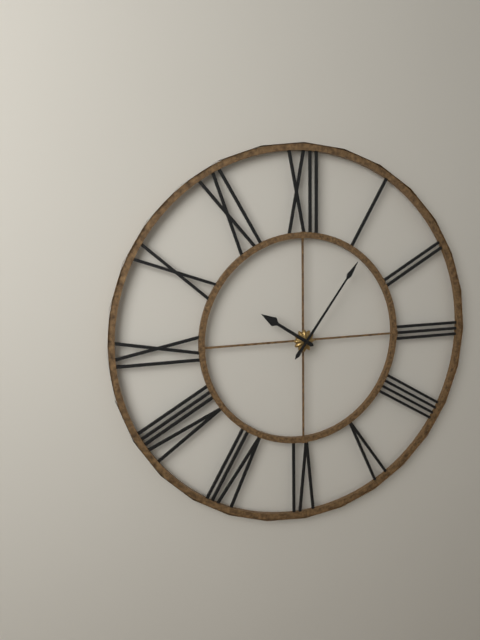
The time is 10:06
